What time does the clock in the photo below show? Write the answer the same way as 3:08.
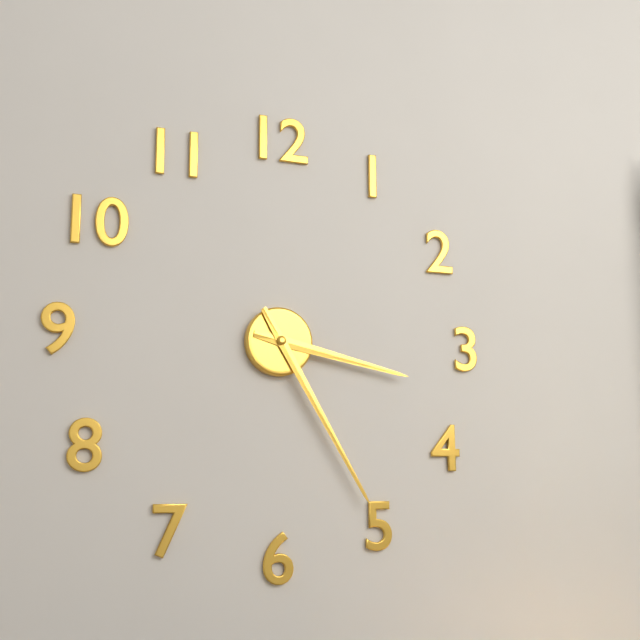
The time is 3:25
